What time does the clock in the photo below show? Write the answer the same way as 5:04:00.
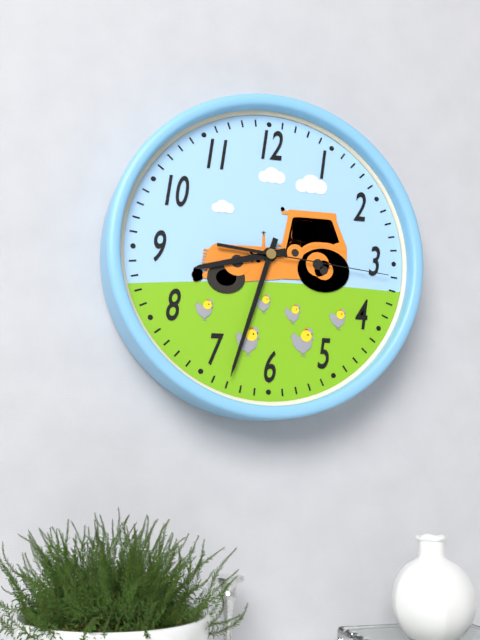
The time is 8:33:16
